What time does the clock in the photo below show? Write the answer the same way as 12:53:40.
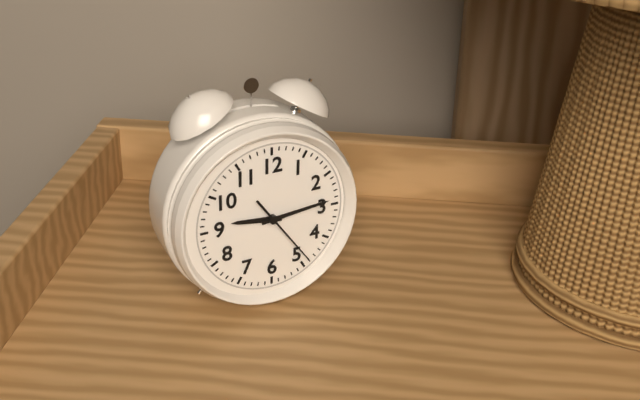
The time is 9:14:24
